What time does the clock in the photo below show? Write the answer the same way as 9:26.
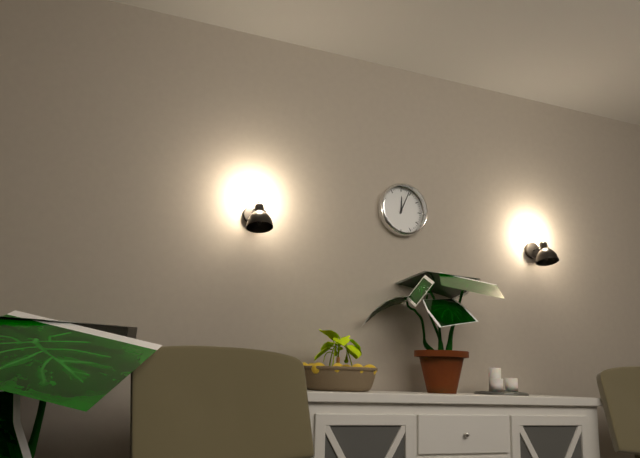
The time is 12:04
